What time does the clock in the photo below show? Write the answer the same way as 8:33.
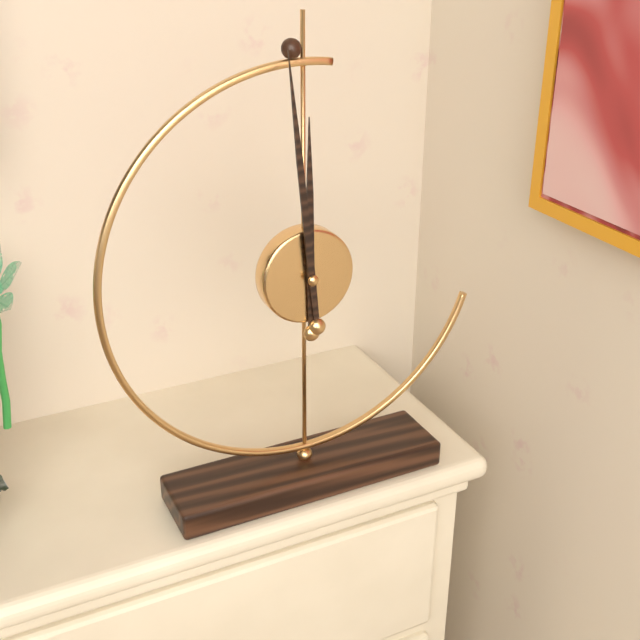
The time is 11:59
